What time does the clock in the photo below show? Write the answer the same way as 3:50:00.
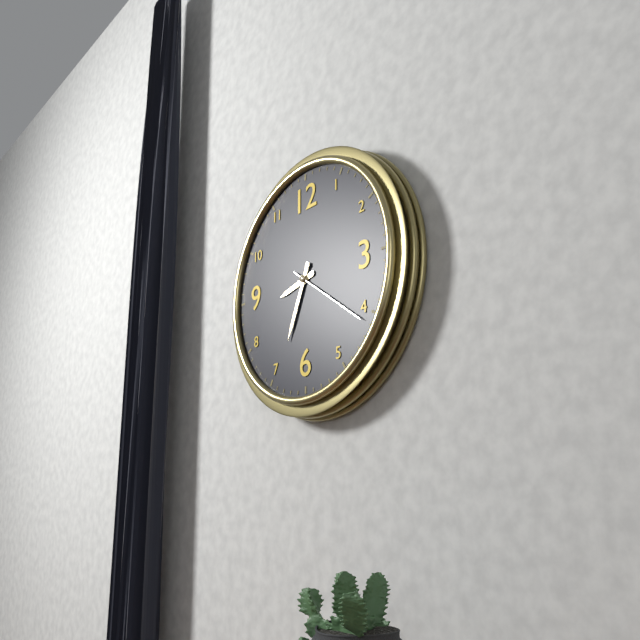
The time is 8:34:21
